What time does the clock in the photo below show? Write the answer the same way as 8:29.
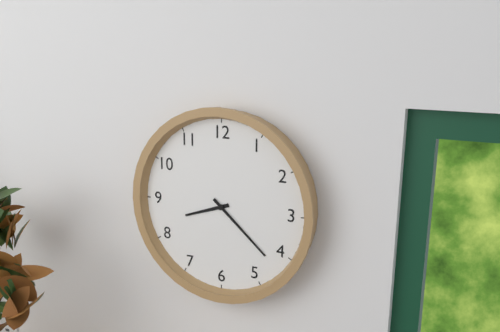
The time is 8:22
